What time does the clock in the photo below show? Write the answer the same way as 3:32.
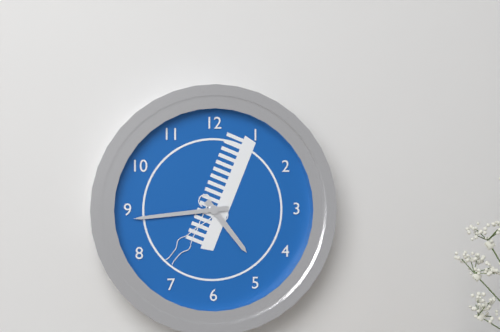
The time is 4:44
